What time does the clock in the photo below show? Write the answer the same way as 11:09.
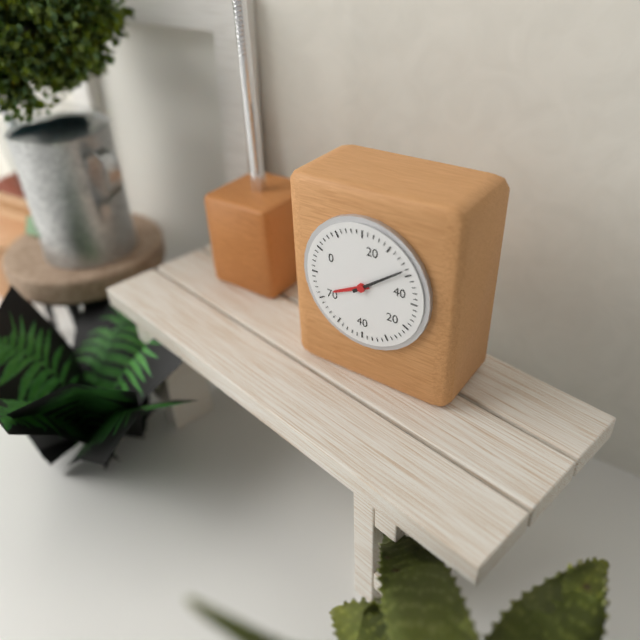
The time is 8:09
